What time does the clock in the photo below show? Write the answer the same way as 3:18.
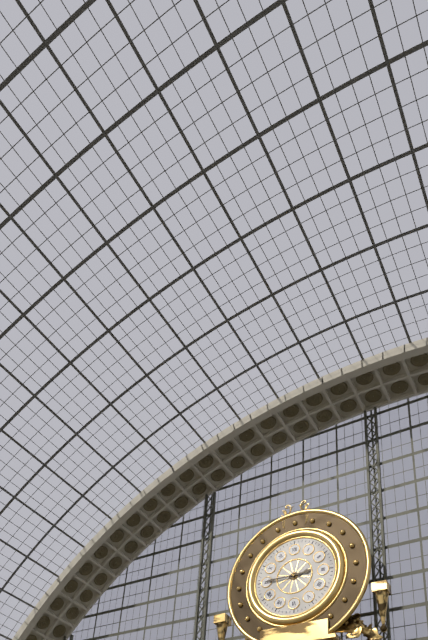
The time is 2:45
